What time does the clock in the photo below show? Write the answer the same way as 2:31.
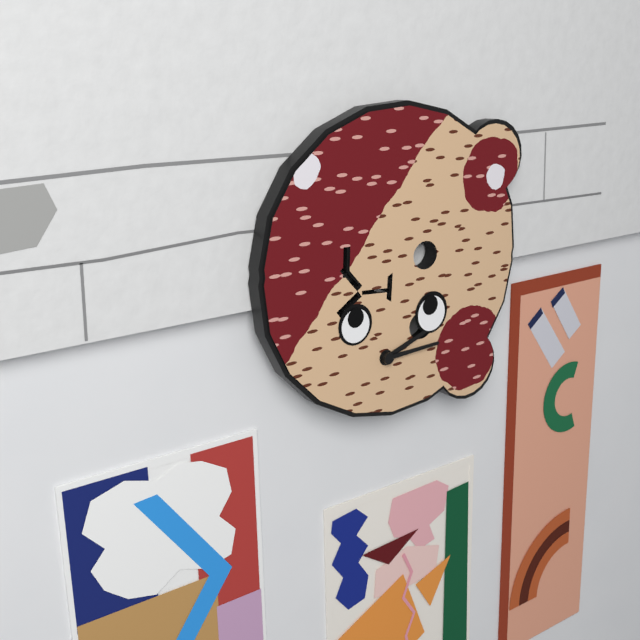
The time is 2:14
